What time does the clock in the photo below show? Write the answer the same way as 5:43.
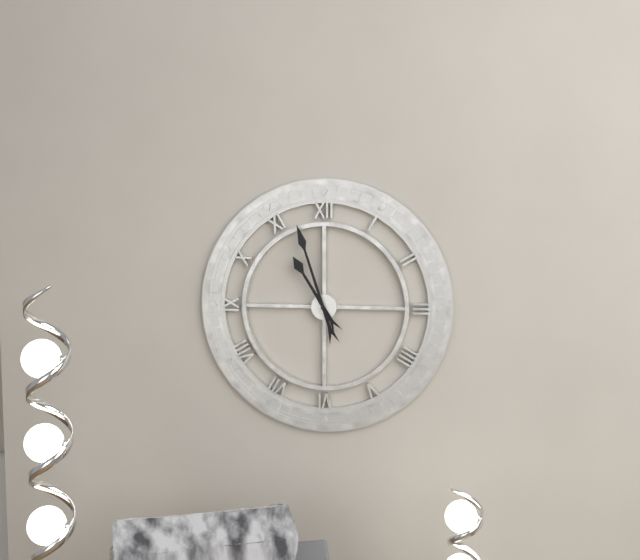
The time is 10:57
